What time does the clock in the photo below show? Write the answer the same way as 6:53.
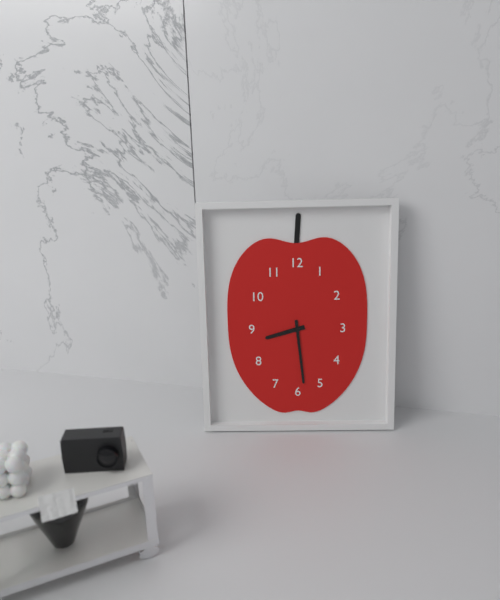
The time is 8:29
